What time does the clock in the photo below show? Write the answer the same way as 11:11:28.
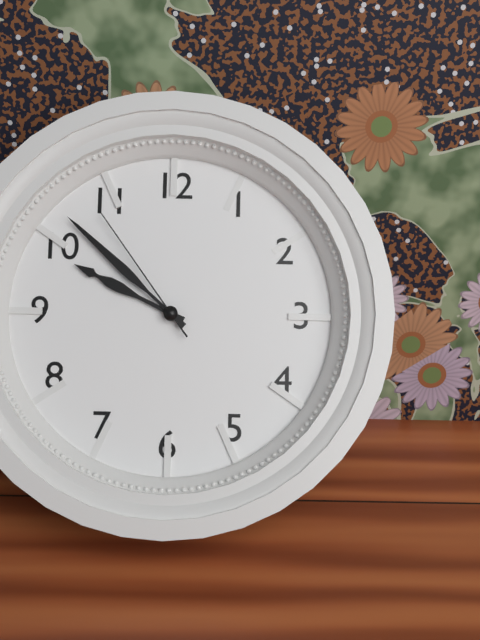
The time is 9:52:54
